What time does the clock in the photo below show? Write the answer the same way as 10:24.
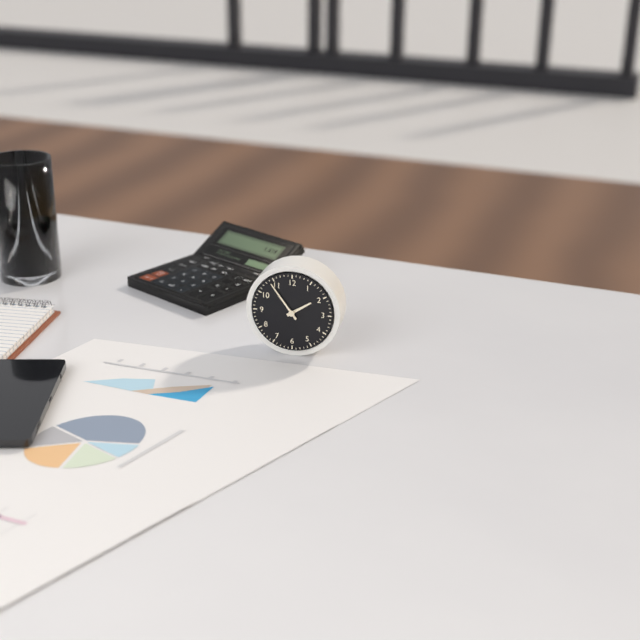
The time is 1:54
